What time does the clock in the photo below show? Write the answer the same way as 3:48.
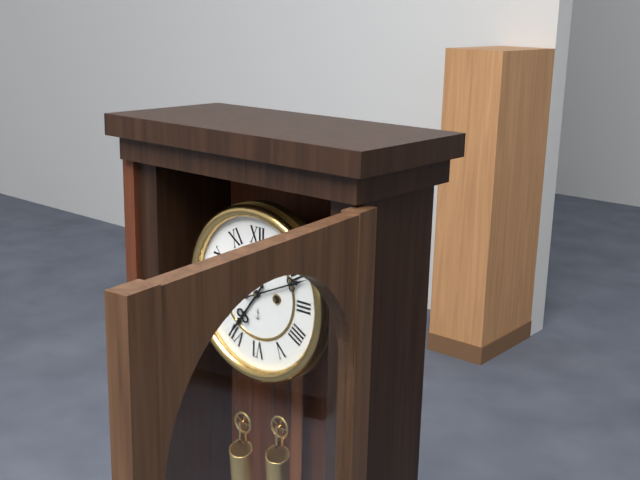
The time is 7:11
